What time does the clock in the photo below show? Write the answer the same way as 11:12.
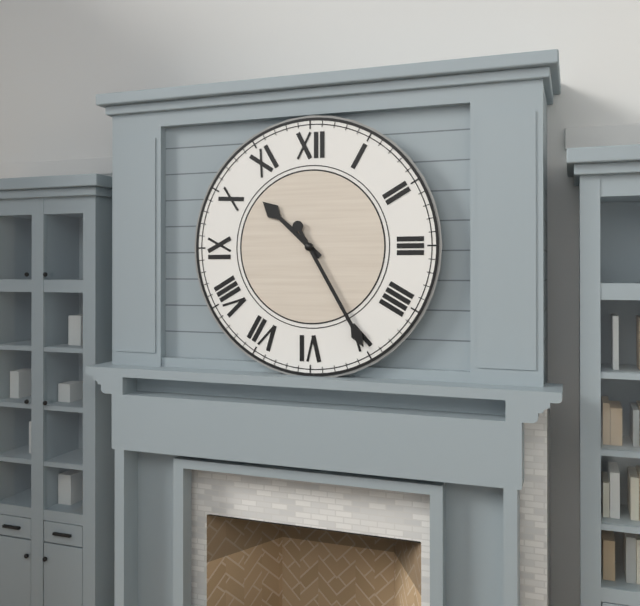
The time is 10:25
